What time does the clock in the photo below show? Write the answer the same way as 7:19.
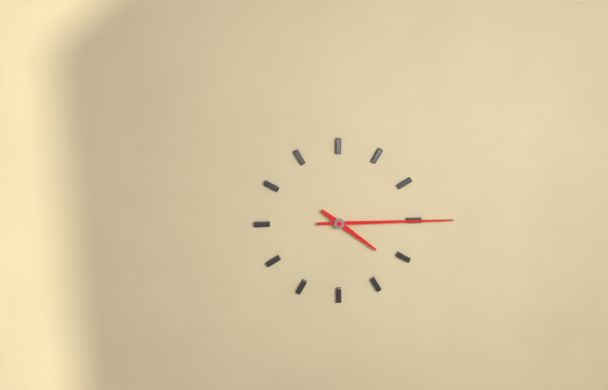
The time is 4:15
